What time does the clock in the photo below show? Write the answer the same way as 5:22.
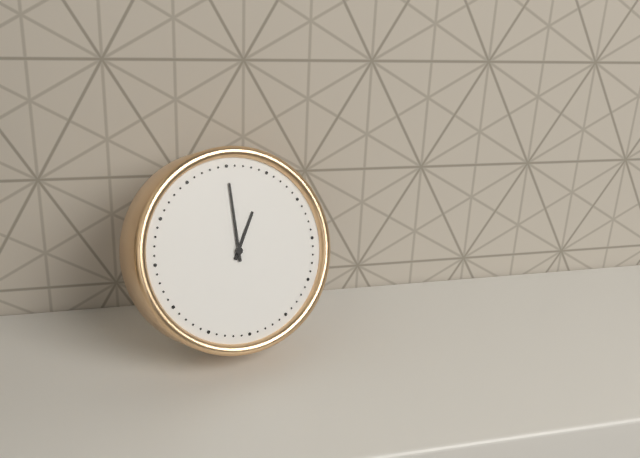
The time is 1:00
